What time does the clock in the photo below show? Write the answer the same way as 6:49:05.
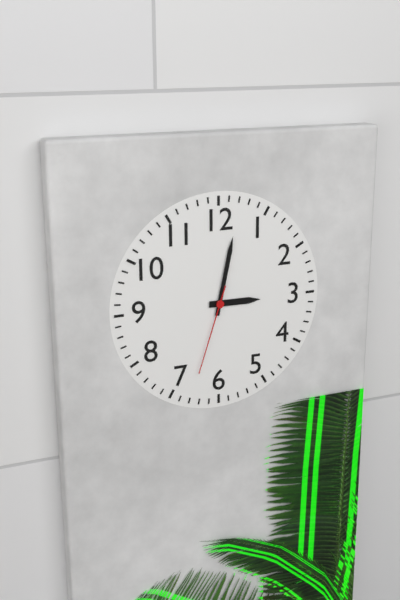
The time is 3:02:33
